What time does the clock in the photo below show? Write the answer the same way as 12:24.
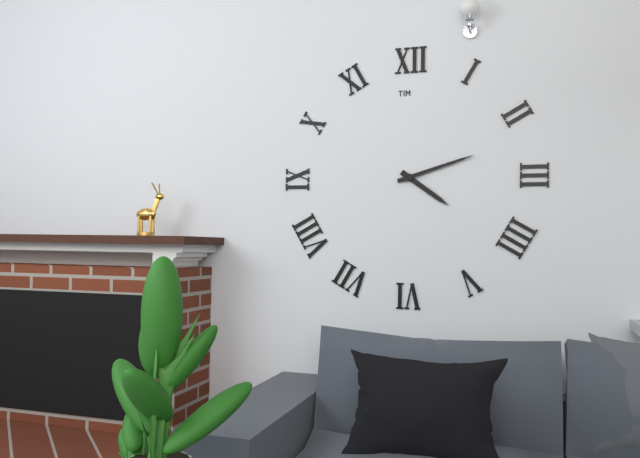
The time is 4:12
